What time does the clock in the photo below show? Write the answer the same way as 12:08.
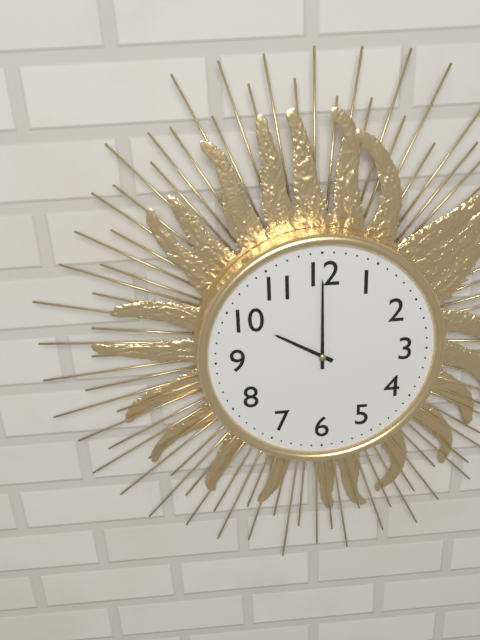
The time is 10:00
